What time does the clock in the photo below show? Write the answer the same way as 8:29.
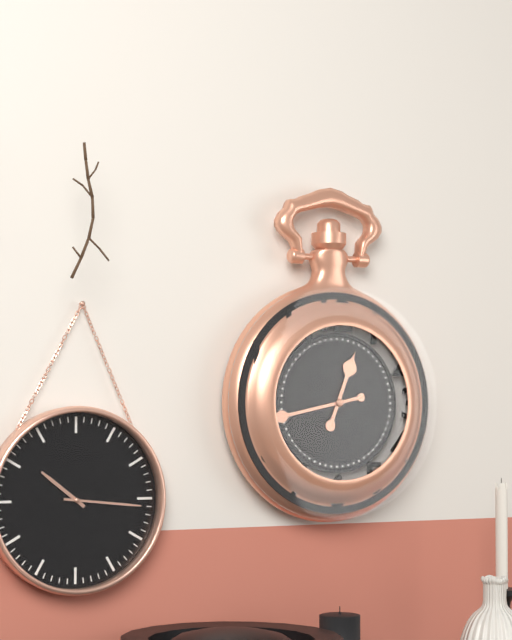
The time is 12:43
